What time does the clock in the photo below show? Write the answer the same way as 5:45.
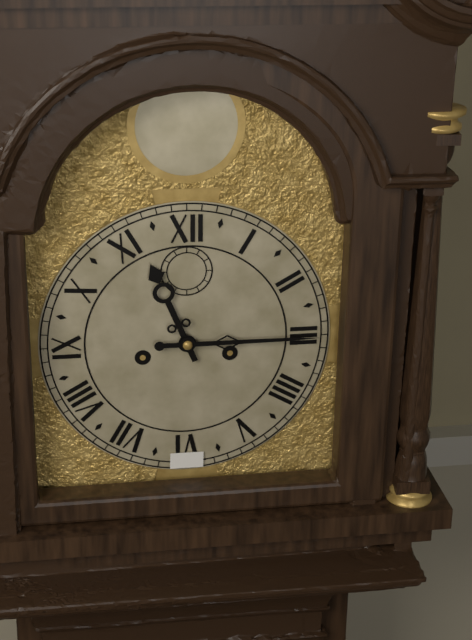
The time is 11:15
